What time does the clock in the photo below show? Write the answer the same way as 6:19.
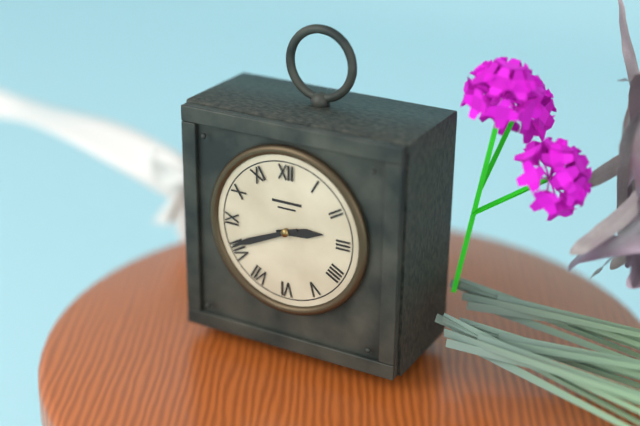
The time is 2:41
